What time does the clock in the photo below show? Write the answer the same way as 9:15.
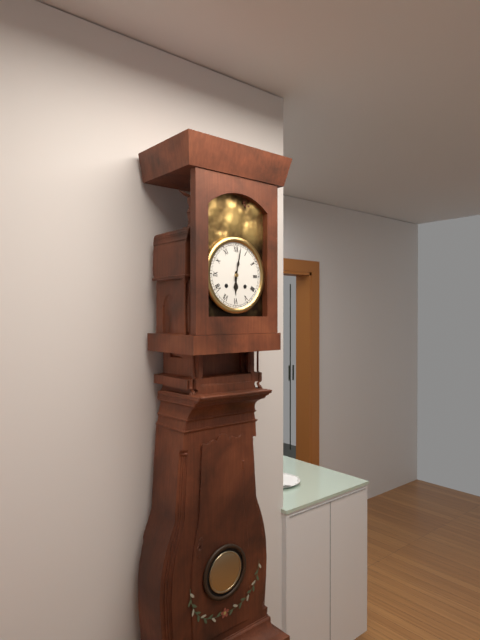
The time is 6:02
